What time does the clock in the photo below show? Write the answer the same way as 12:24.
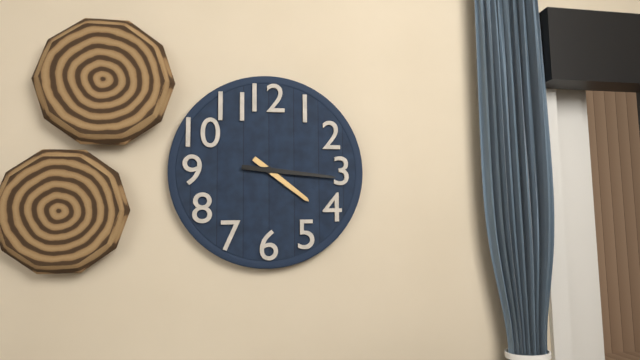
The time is 4:16
